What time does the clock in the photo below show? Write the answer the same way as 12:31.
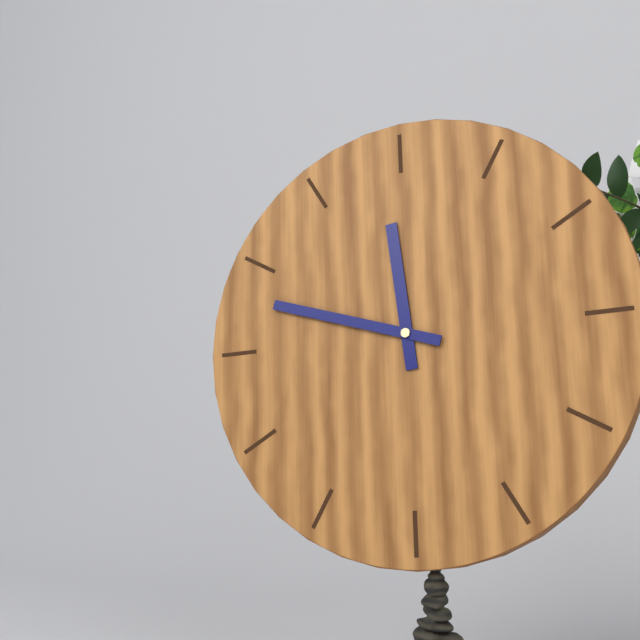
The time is 11:48
